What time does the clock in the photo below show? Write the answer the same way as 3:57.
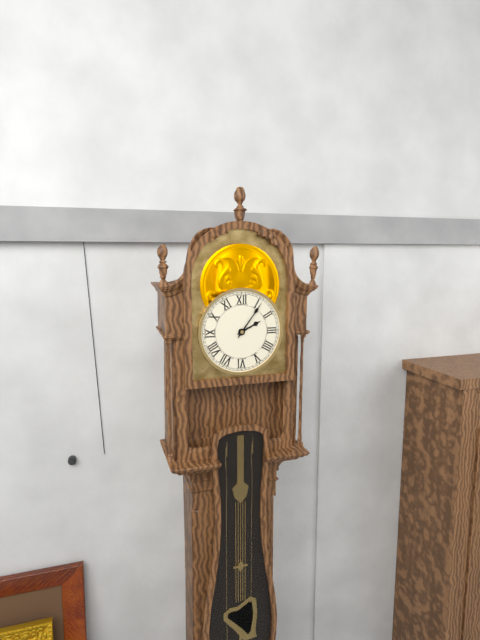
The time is 2:06
